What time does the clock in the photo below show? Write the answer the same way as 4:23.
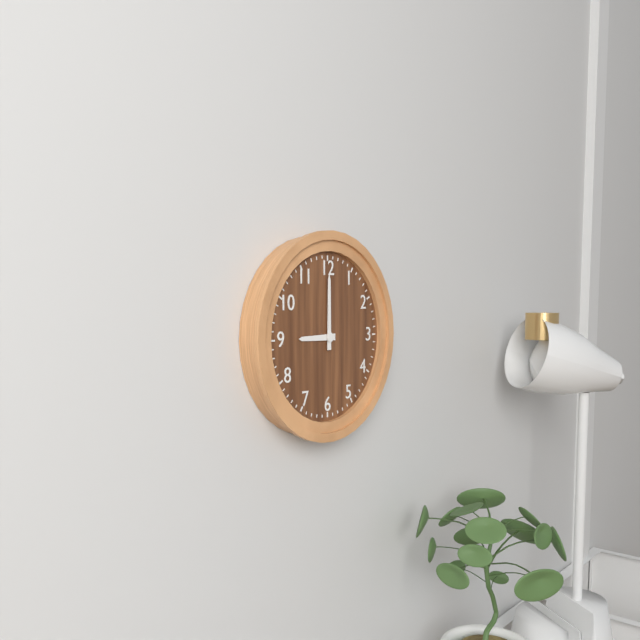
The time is 9:00
